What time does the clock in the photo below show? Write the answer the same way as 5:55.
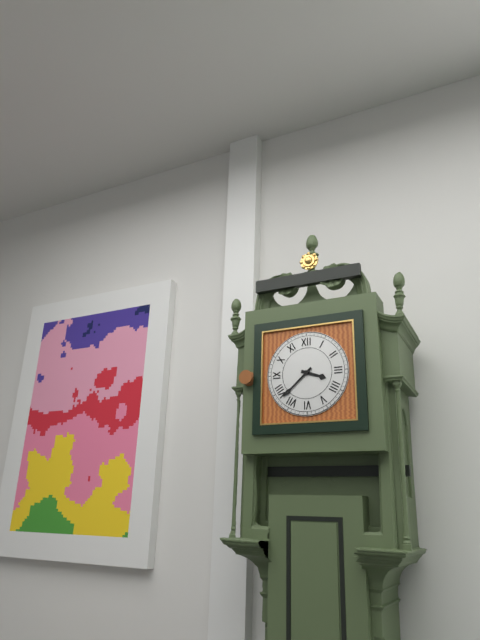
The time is 3:38
